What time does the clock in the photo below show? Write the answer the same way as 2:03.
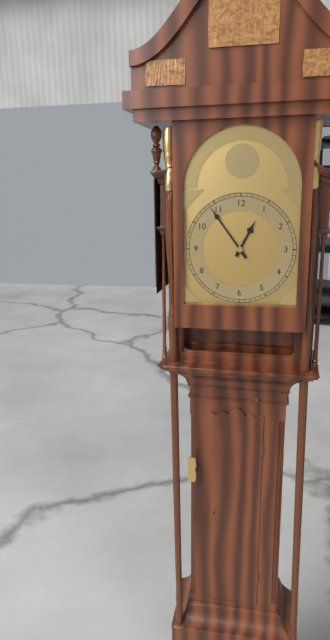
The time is 12:54
